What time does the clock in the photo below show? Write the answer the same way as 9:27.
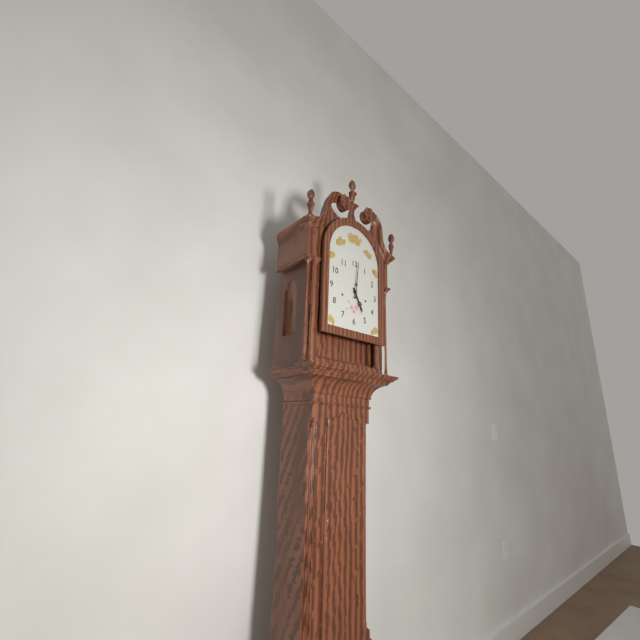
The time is 5:01
